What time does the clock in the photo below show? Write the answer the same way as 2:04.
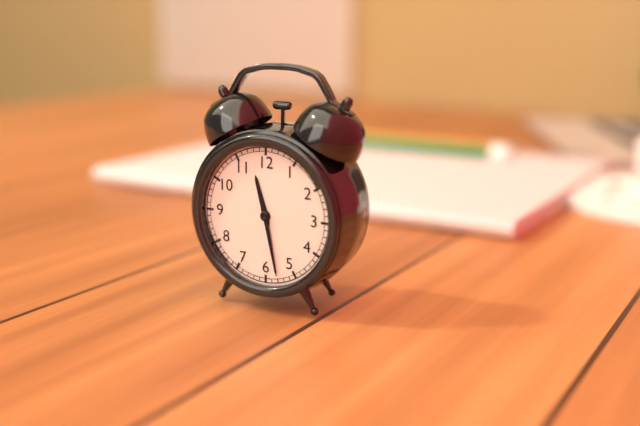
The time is 11:28
